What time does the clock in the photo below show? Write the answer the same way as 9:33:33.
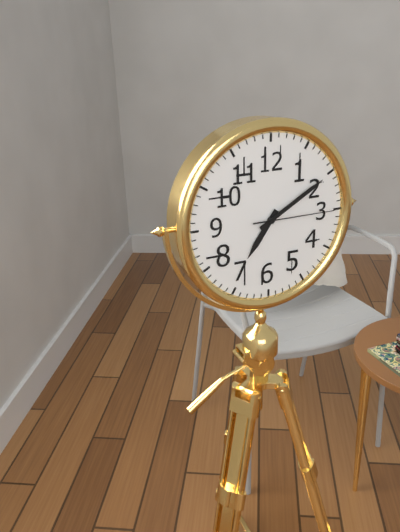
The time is 7:10:15
